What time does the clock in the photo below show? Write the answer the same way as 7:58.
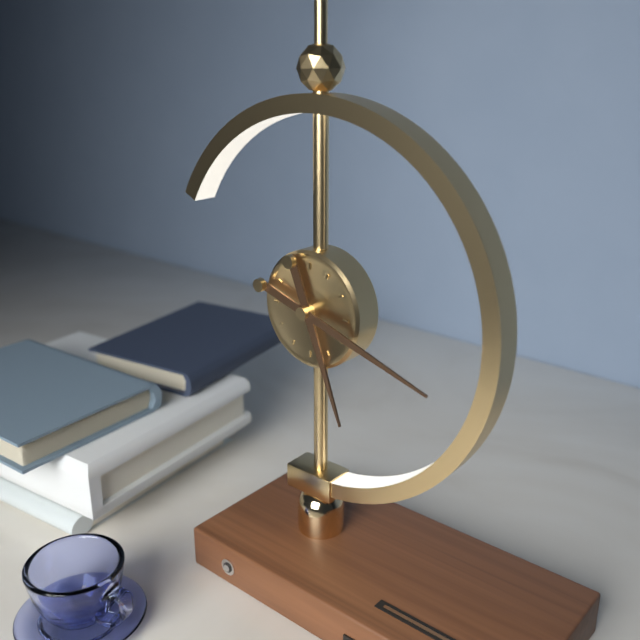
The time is 5:18
